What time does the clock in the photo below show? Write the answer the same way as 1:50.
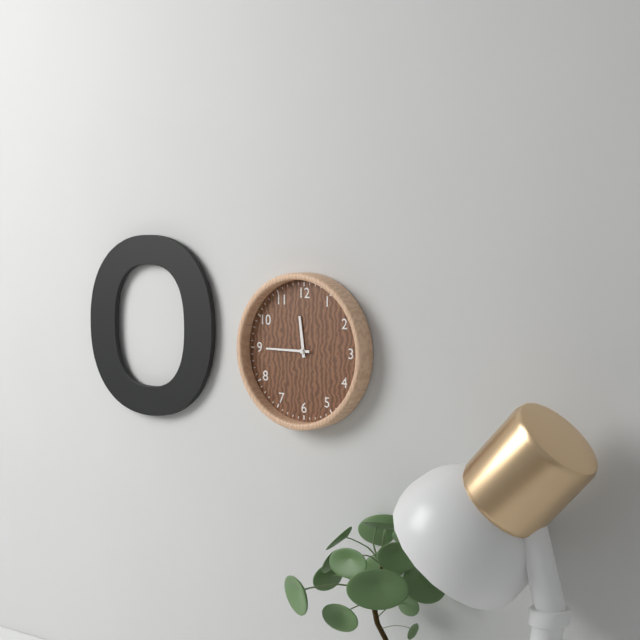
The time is 11:45
